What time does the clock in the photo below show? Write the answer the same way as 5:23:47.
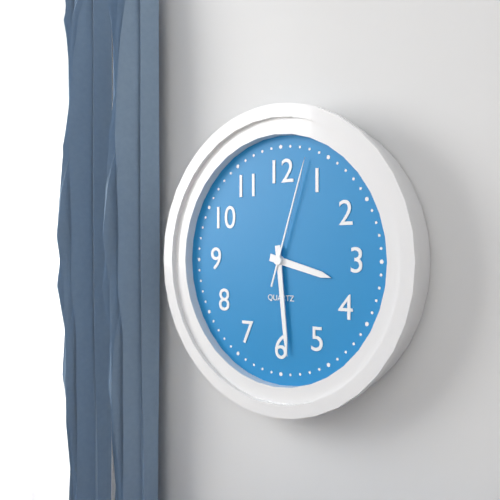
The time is 3:29:03
